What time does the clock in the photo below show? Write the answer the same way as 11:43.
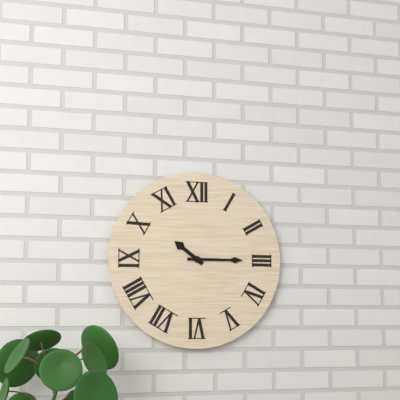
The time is 10:15
